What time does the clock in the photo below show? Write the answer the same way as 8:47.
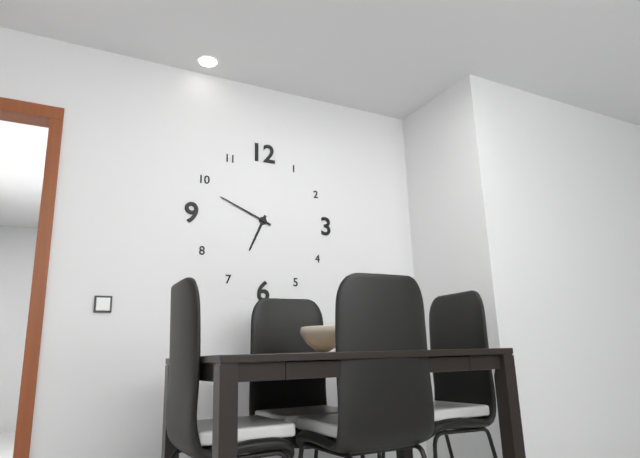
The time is 6:49
